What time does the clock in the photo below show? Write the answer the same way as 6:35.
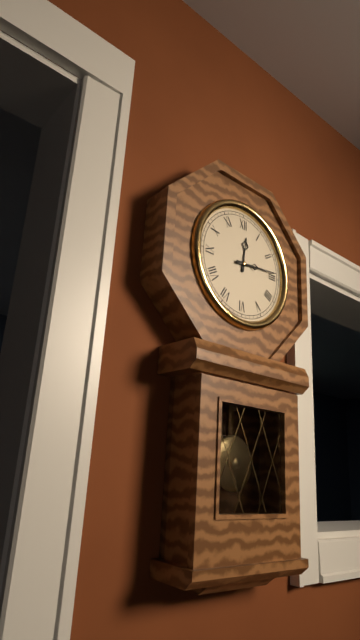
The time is 12:14
